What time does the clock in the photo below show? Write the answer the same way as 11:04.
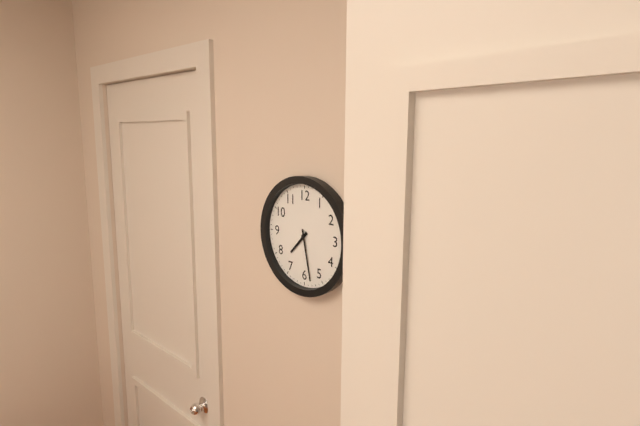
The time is 7:28
